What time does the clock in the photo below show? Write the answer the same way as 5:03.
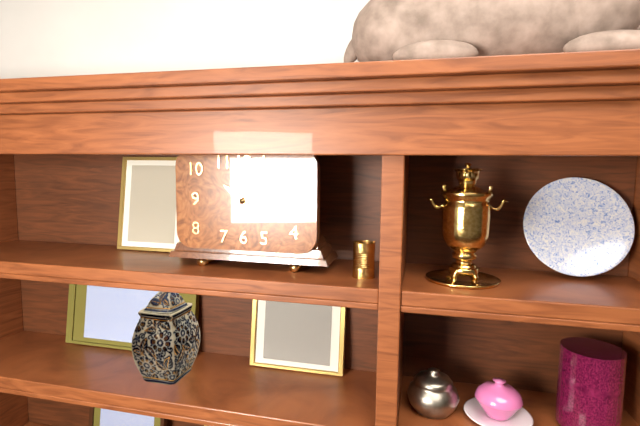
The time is 10:13
